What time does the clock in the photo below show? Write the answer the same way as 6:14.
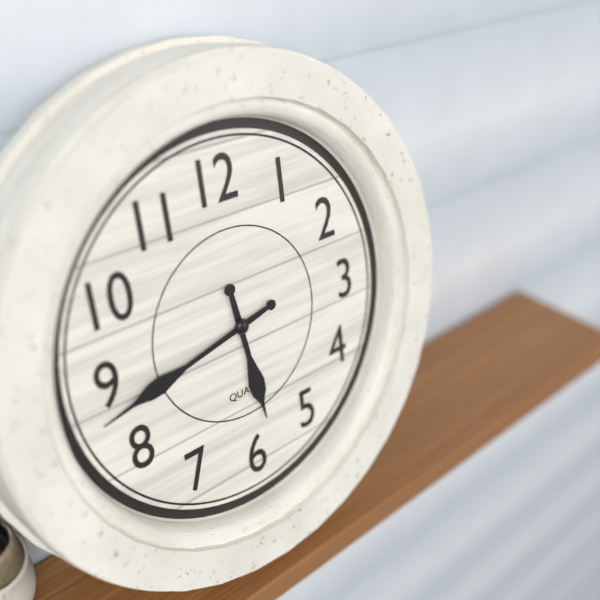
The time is 5:43
